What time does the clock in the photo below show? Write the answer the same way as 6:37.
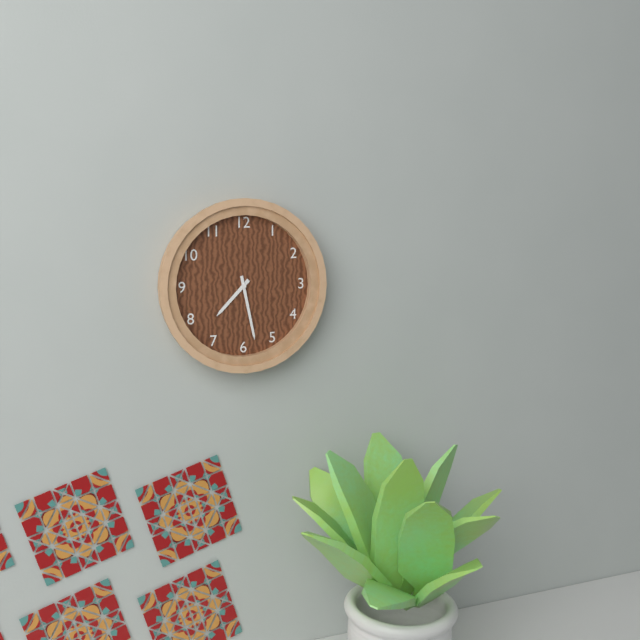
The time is 7:28
